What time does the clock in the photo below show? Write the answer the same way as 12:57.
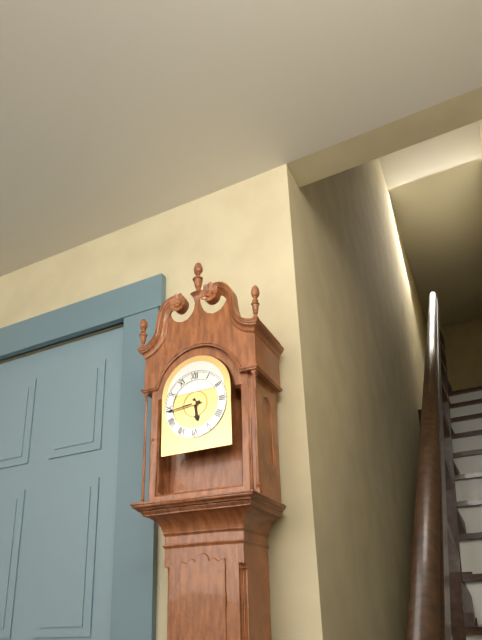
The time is 5:44
